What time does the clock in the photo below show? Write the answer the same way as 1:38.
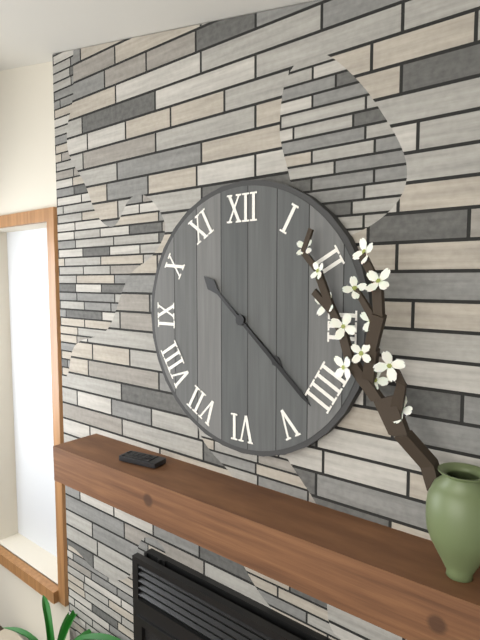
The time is 4:22
